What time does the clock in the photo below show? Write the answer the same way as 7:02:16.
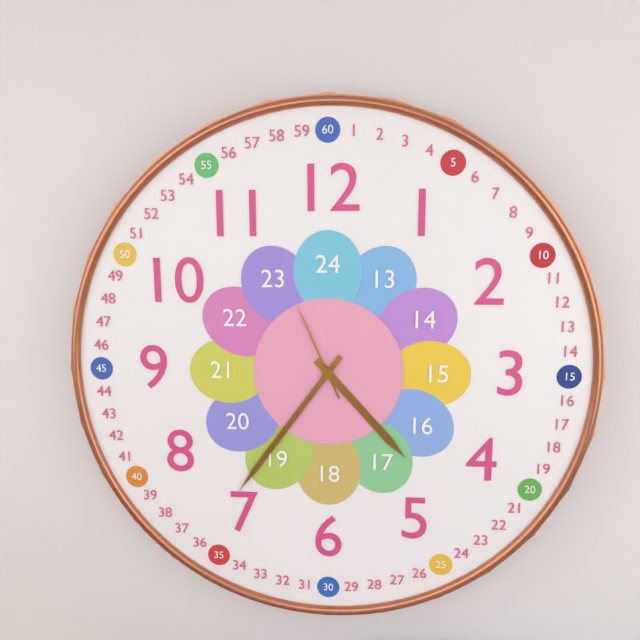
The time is 4:36:56
